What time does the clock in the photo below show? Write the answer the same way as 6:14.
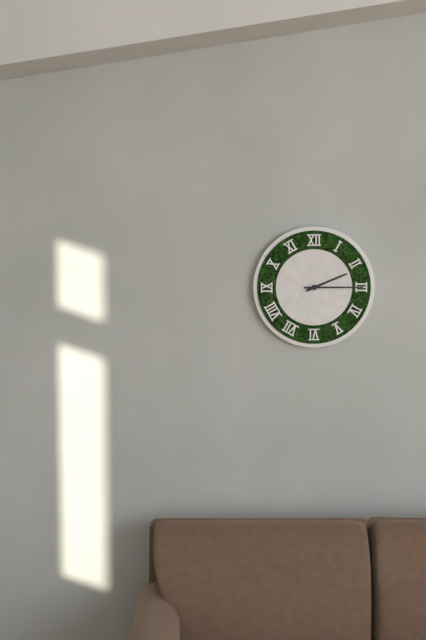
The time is 2:15
